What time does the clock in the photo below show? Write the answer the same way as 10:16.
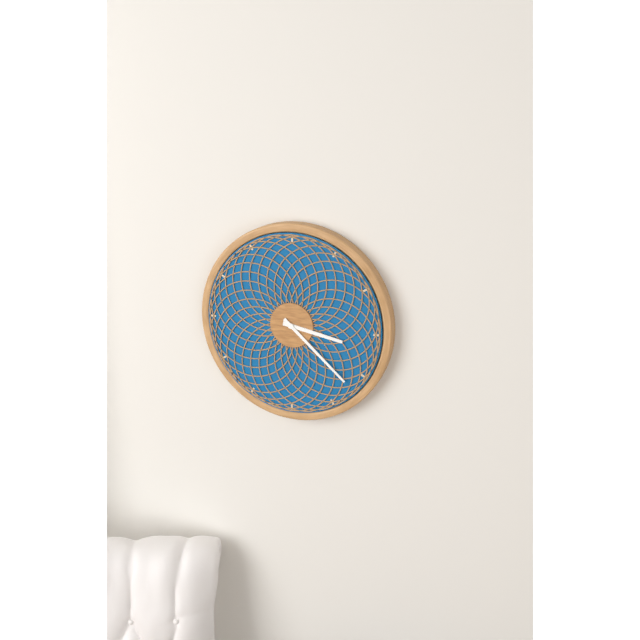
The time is 3:22
